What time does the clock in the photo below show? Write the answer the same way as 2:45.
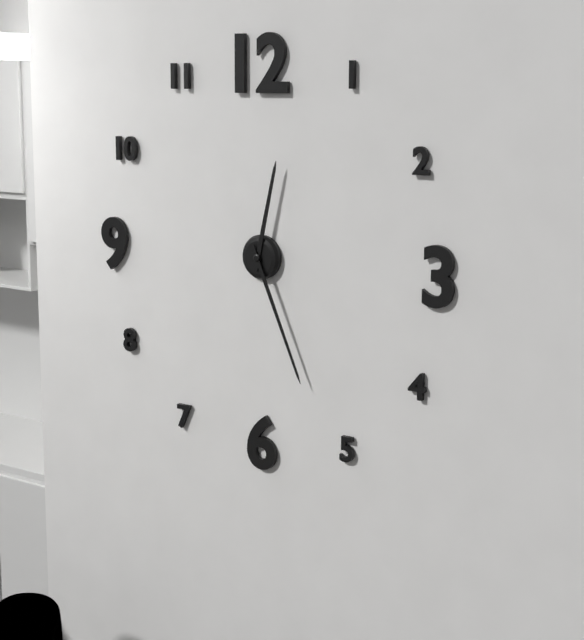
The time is 12:26
